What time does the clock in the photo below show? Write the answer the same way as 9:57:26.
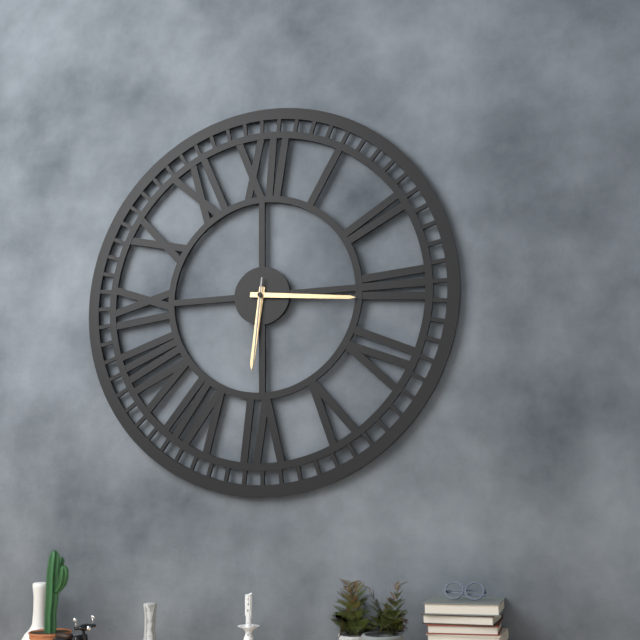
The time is 6:16:31
